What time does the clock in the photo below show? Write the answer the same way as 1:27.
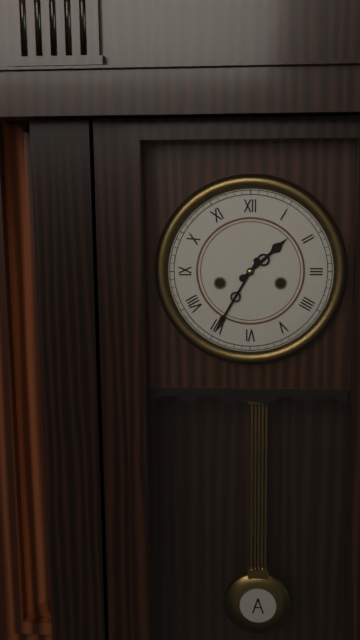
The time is 1:35
